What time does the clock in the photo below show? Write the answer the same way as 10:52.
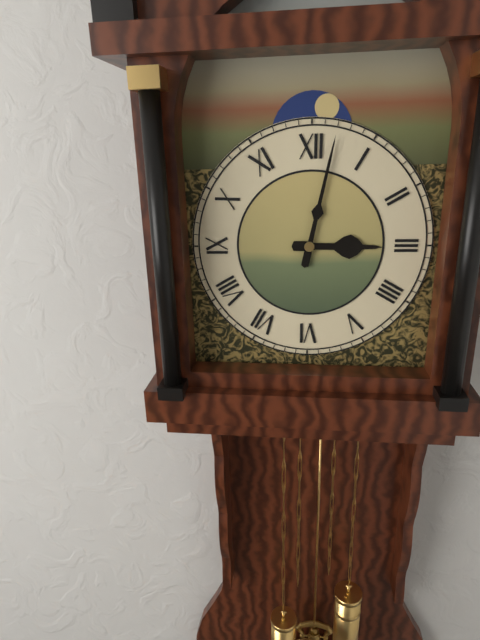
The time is 3:02
